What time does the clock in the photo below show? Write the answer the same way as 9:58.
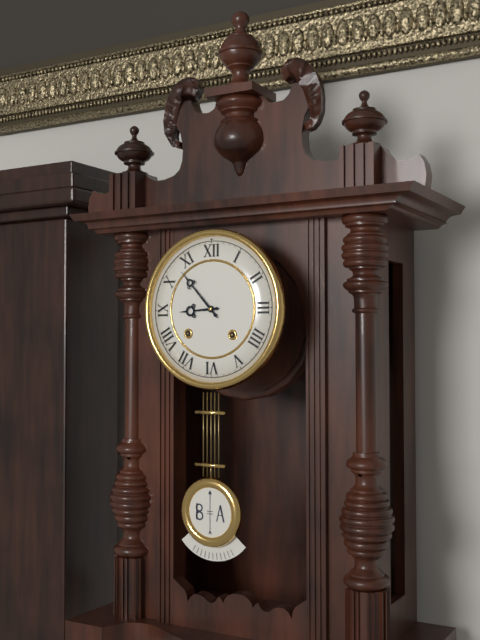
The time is 8:53
